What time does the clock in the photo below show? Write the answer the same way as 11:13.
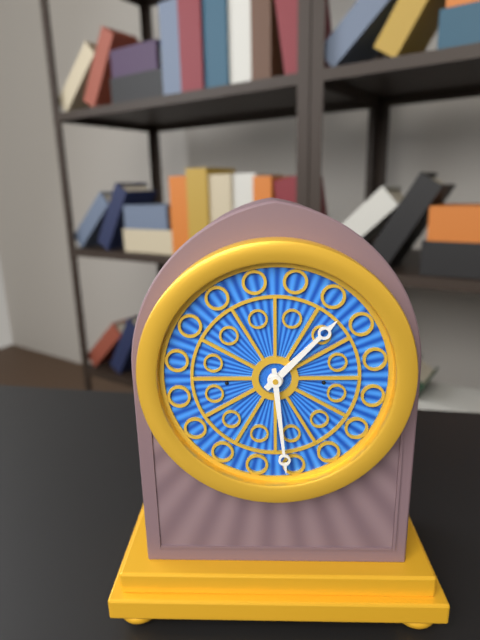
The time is 1:29
